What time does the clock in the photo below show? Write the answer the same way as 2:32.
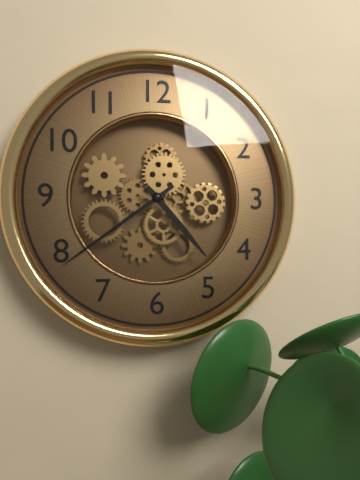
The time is 4:39
